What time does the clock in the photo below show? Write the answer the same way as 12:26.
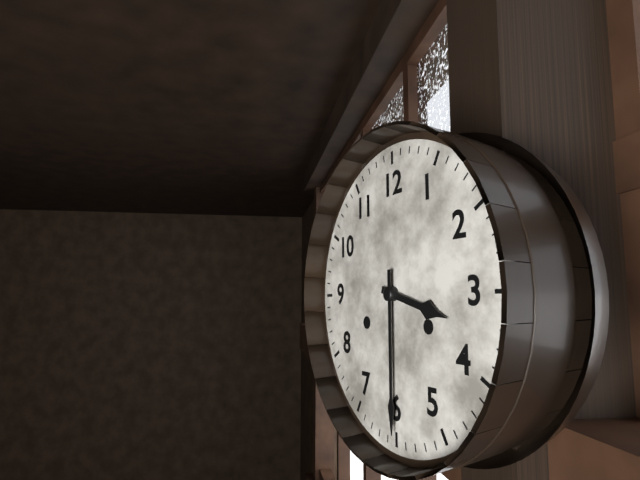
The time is 3:30
